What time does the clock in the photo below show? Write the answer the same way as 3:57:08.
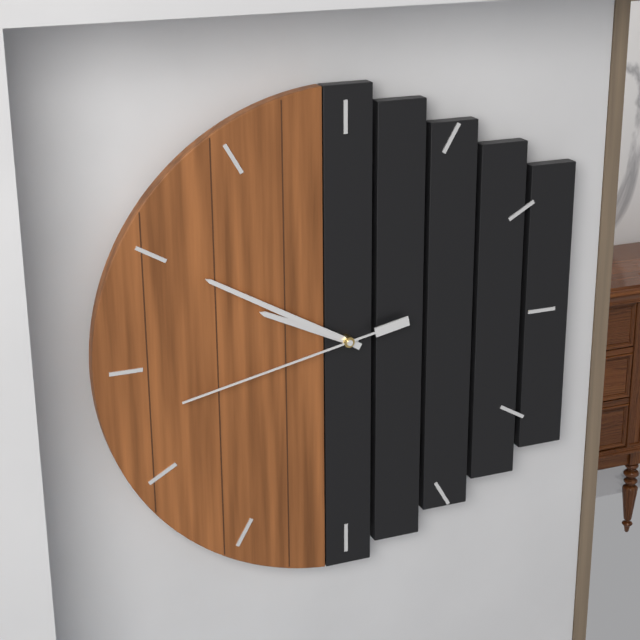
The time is 9:50:43
